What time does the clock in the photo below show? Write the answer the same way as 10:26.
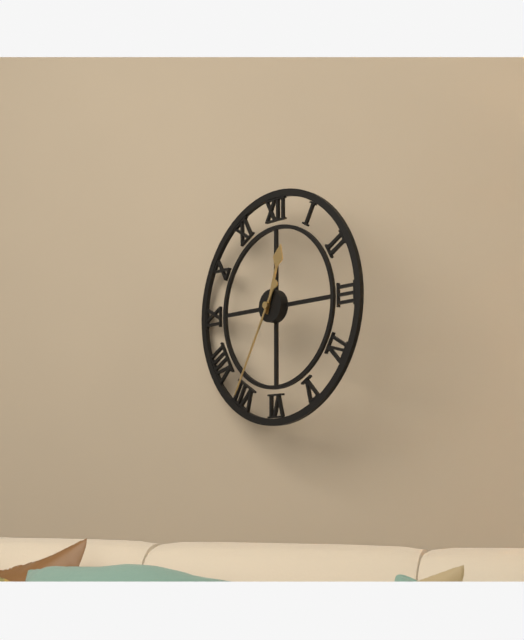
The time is 12:35
